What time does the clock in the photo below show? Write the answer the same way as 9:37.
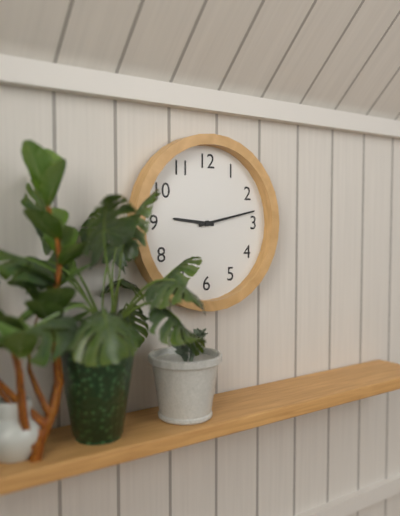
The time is 9:13
